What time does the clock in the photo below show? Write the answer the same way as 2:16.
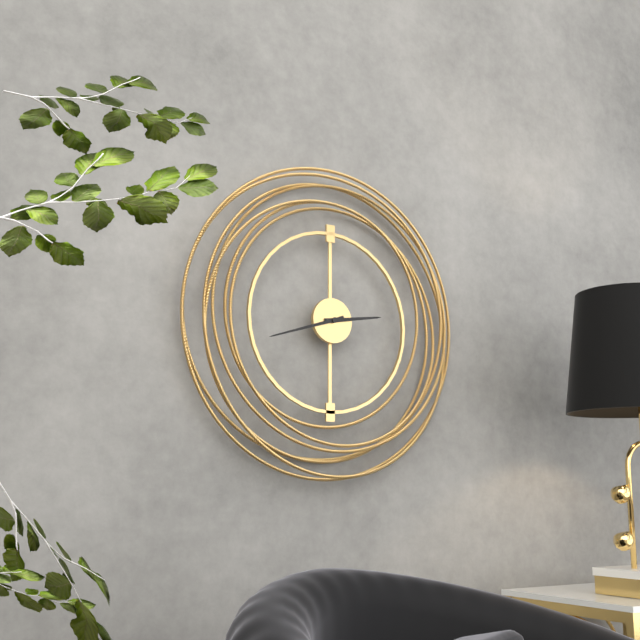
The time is 2:42
